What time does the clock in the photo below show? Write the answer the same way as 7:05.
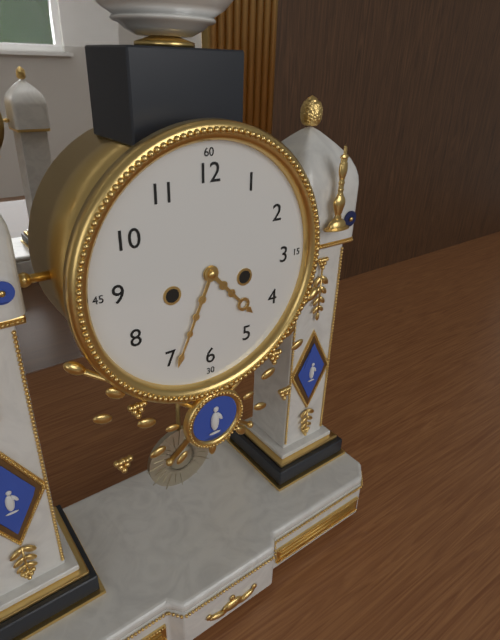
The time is 4:34
